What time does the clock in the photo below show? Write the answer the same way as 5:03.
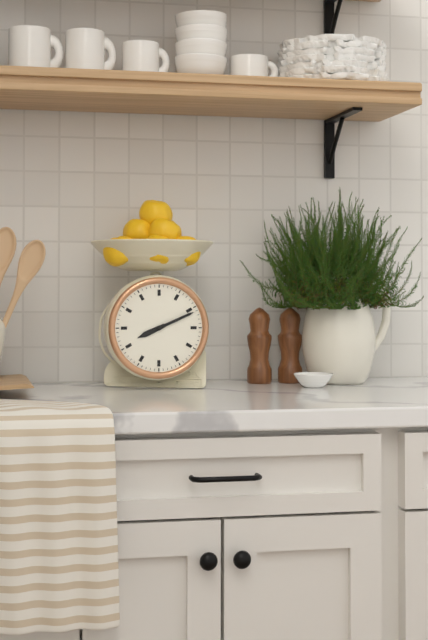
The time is 8:11
